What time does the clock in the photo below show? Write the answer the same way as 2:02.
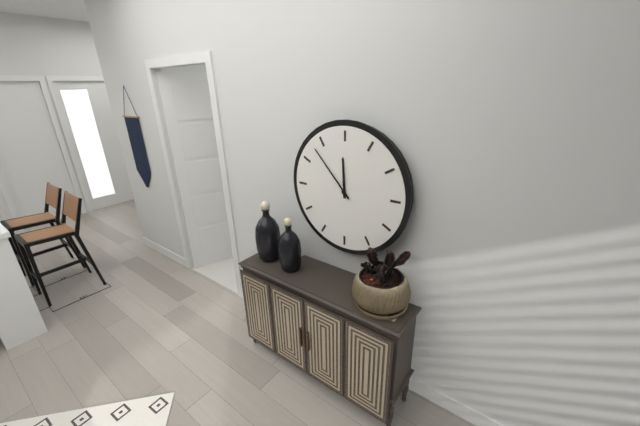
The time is 11:53
